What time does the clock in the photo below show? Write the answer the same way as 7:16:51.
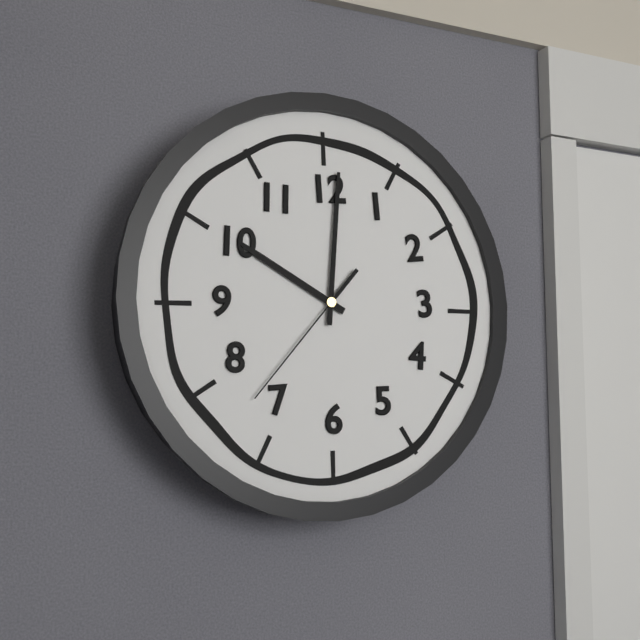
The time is 10:01:37
